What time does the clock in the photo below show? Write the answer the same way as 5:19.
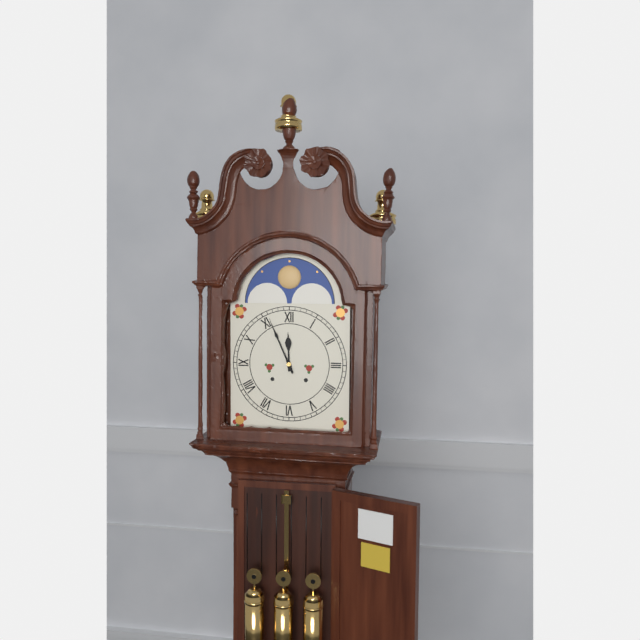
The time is 11:56
